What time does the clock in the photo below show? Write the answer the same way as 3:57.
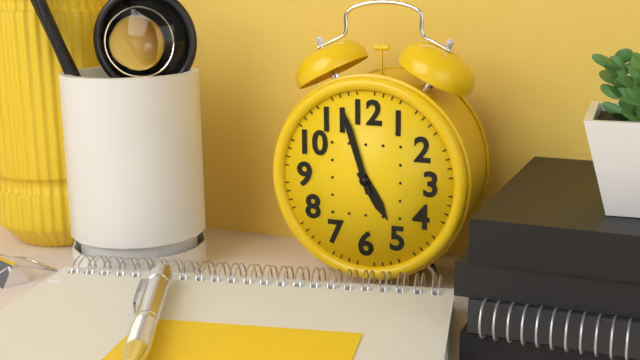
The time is 4:57
